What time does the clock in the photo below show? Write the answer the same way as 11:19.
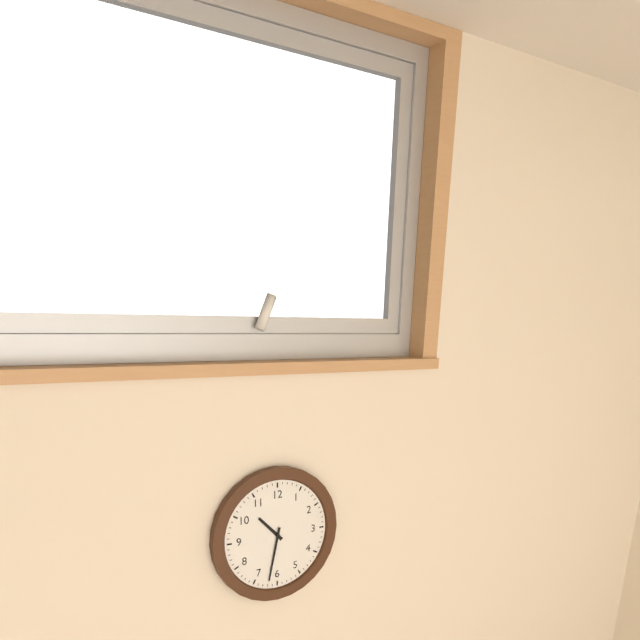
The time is 10:32
